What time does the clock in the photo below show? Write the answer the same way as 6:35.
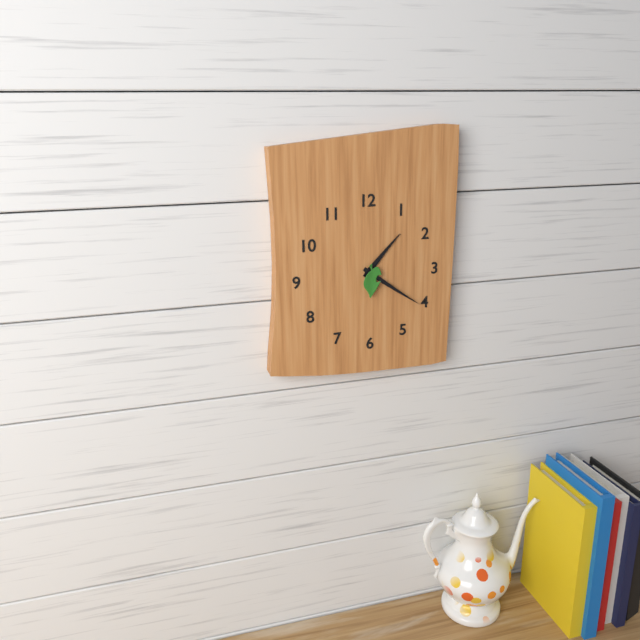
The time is 1:21
